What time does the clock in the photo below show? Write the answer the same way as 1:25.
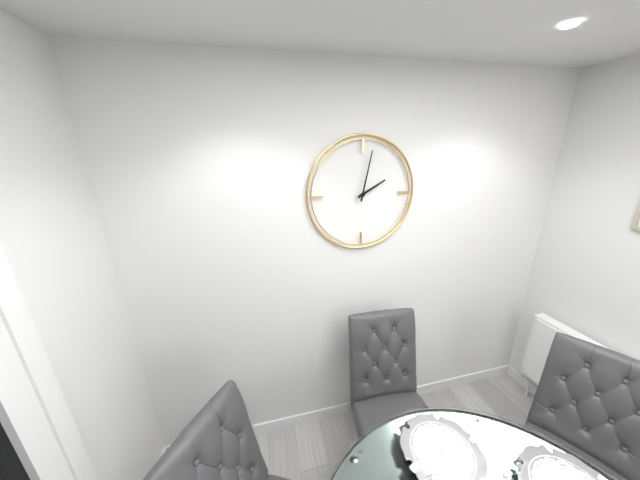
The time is 2:02
